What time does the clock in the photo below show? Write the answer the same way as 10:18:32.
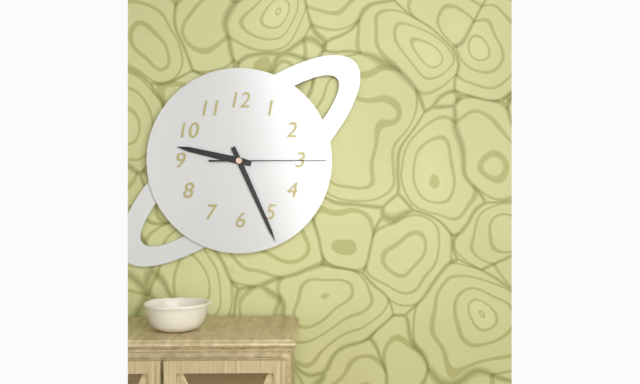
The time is 9:26:15
